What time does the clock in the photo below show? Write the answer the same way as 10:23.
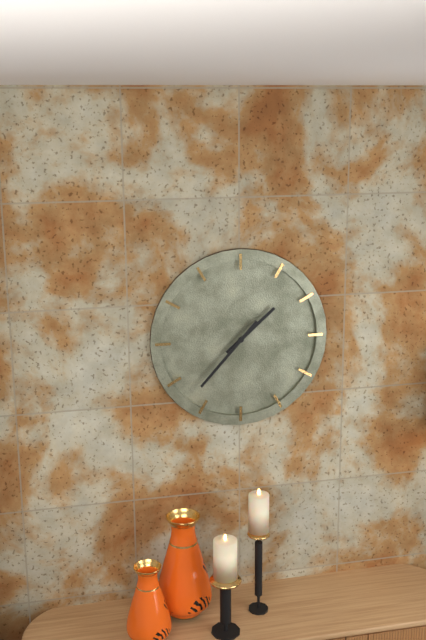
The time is 1:37
